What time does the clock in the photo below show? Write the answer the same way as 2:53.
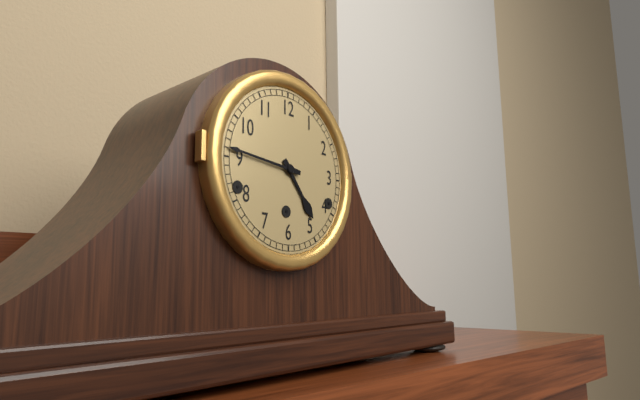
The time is 4:46
